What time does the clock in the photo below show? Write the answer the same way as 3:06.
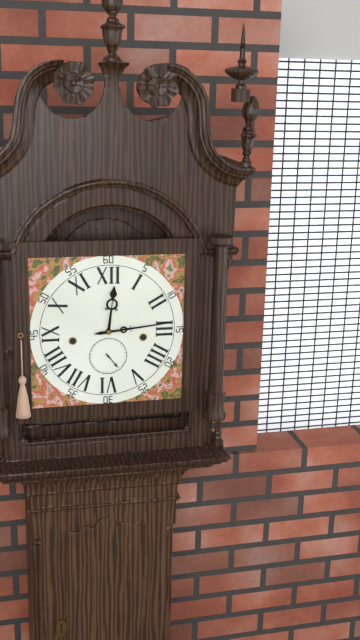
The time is 12:14
